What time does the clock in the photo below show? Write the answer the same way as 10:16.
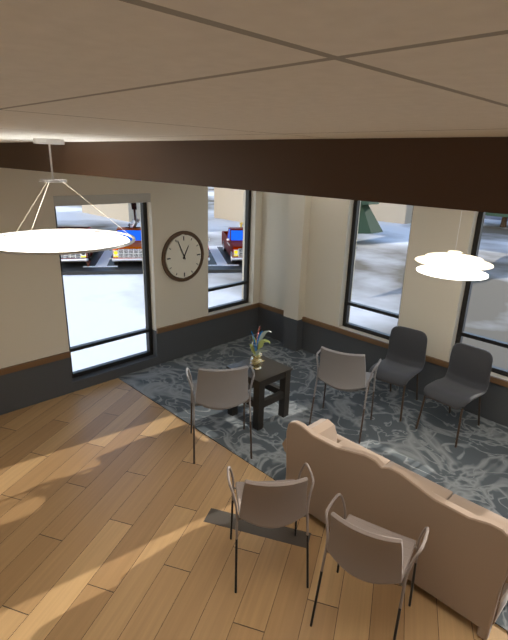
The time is 12:56
